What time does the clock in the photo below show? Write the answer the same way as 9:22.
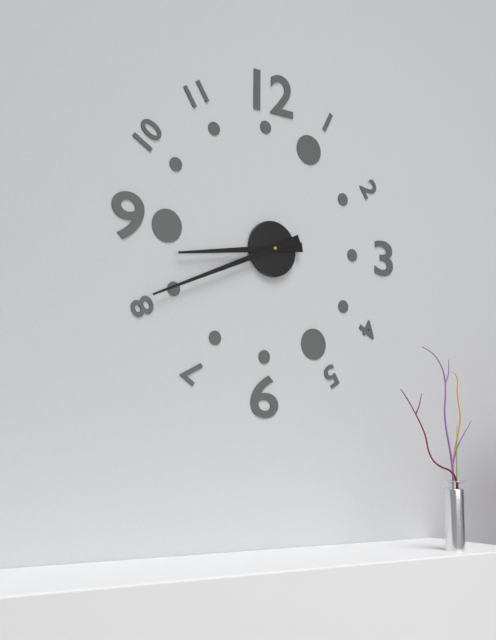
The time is 8:41
